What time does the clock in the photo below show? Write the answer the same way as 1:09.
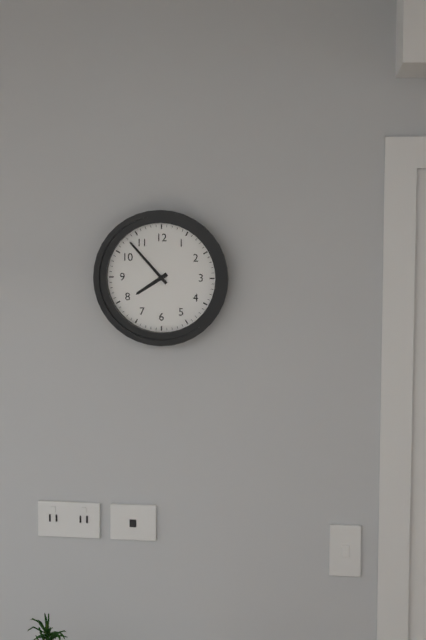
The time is 7:53
